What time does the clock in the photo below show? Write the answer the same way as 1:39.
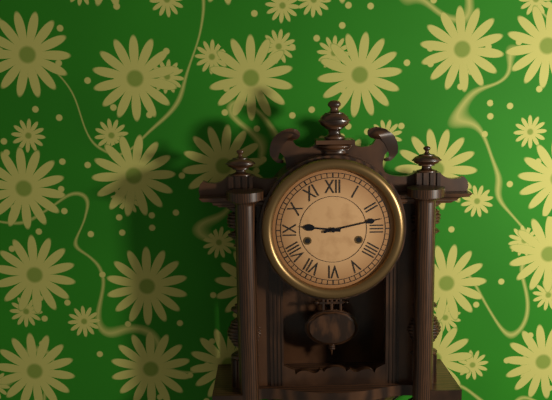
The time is 9:13
